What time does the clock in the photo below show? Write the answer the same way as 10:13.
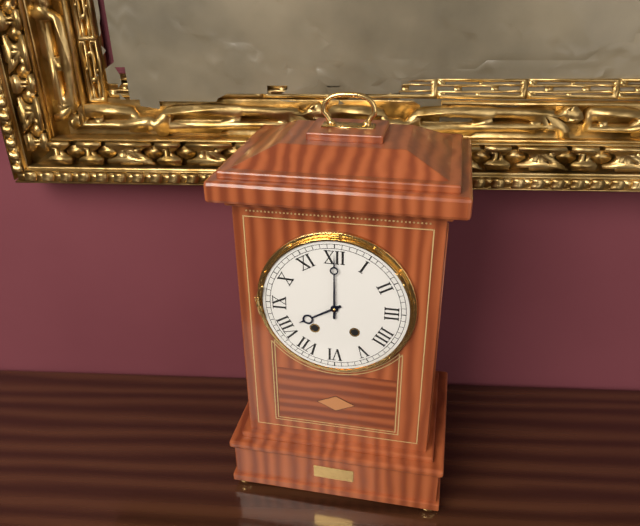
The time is 8:00
